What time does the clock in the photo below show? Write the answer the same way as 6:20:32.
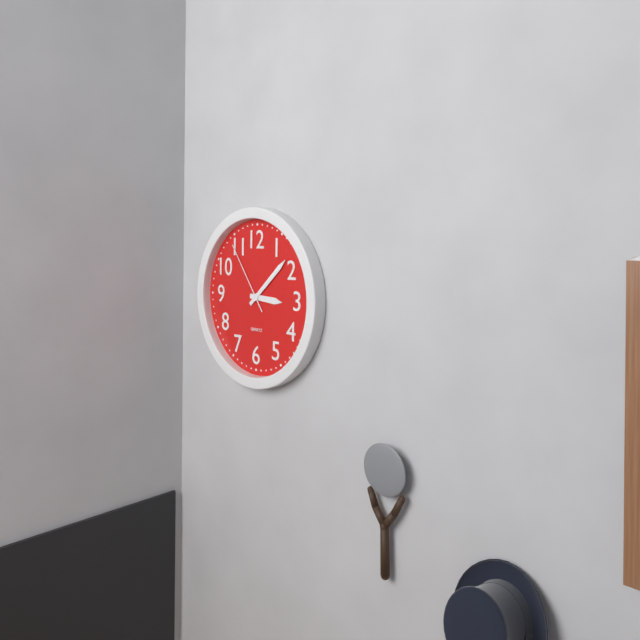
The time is 3:08:54
